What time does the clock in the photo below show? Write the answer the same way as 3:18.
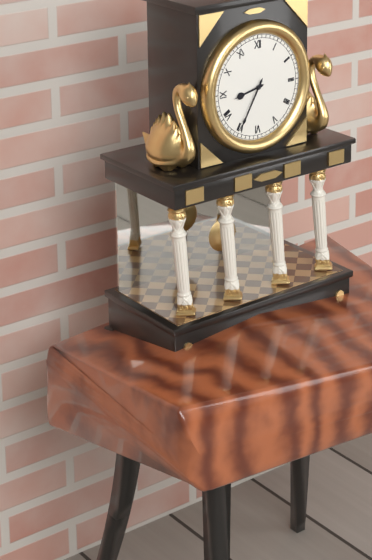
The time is 8:35
